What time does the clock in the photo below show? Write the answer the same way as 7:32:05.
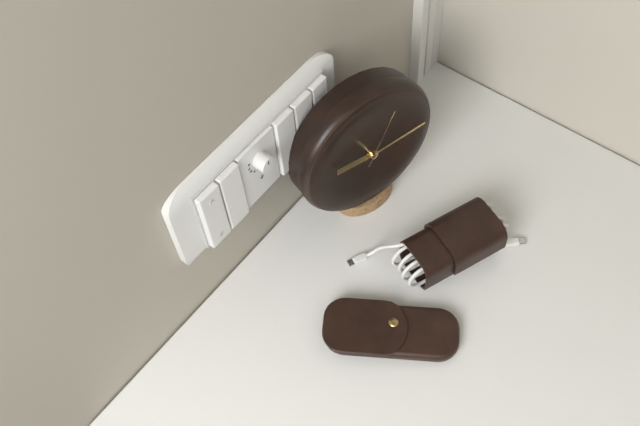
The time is 9:15:05
